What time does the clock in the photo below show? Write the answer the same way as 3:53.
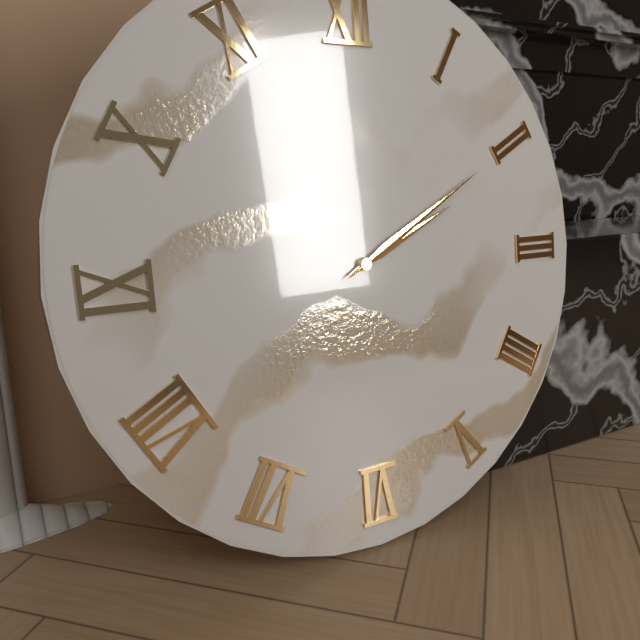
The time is 2:10
